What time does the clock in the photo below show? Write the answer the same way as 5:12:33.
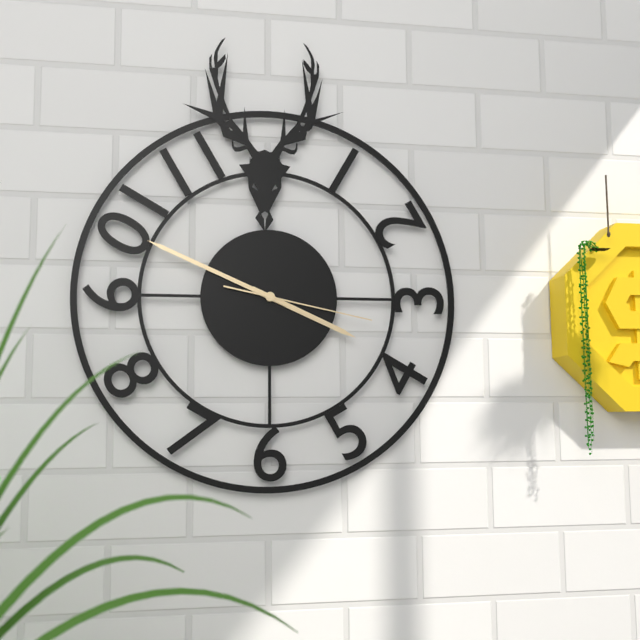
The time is 3:49:17
